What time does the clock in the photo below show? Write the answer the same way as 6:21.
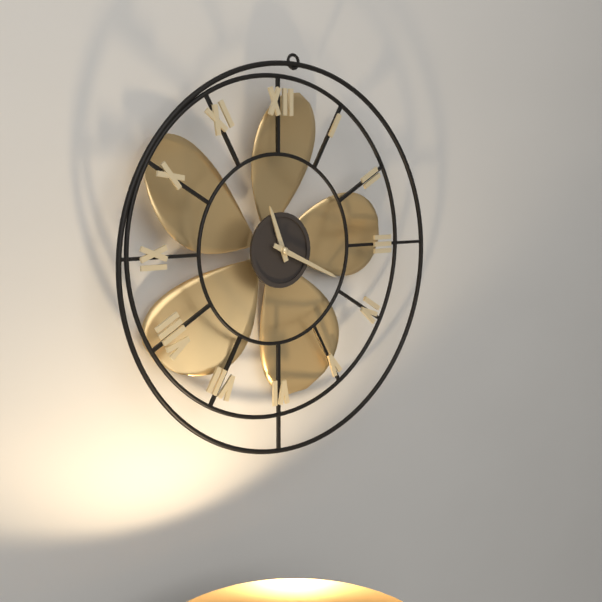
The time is 11:19
